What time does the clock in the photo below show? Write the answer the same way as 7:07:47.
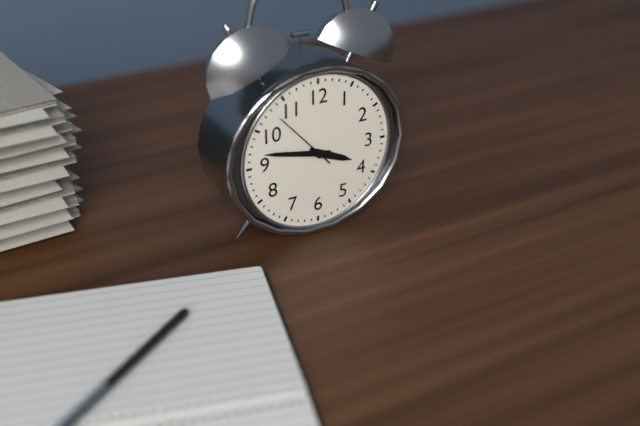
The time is 3:47:53
